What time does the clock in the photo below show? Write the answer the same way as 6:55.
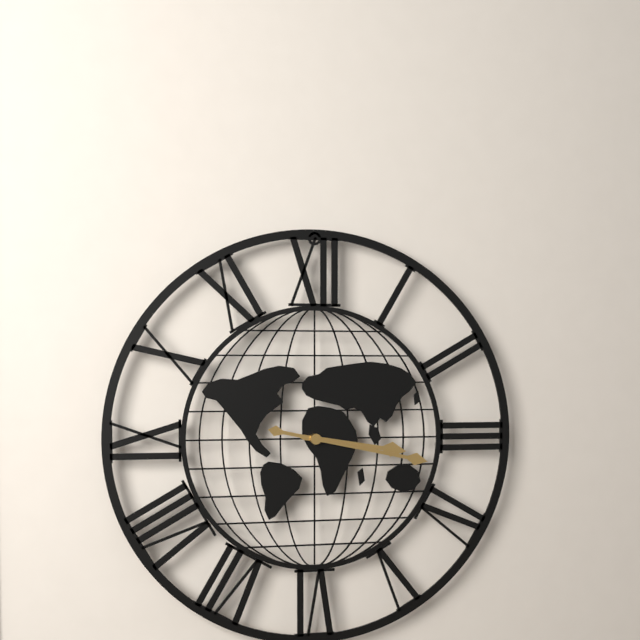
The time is 3:17
